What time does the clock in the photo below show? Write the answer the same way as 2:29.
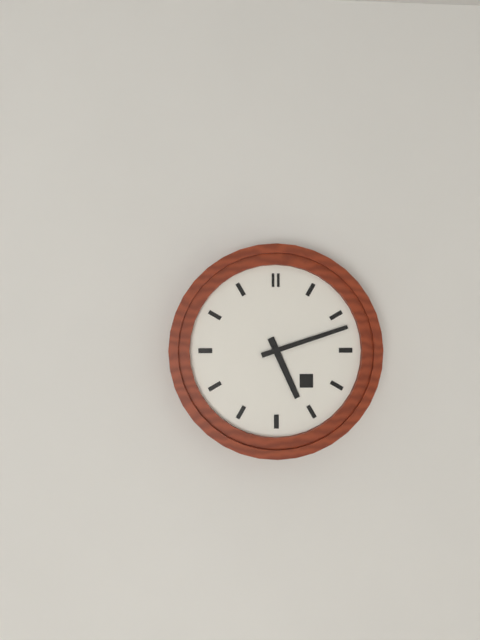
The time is 5:12
